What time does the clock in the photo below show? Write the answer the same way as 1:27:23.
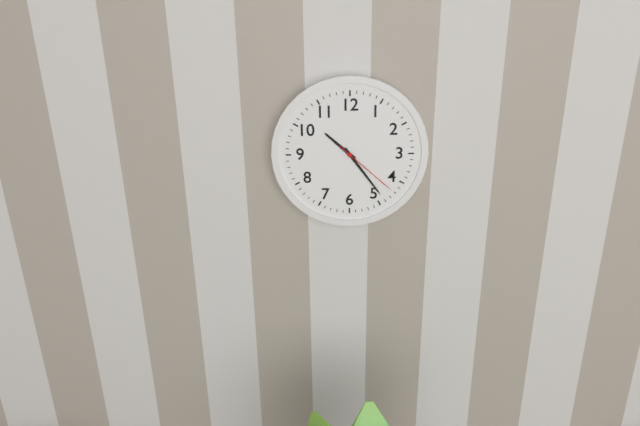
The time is 10:24:22
